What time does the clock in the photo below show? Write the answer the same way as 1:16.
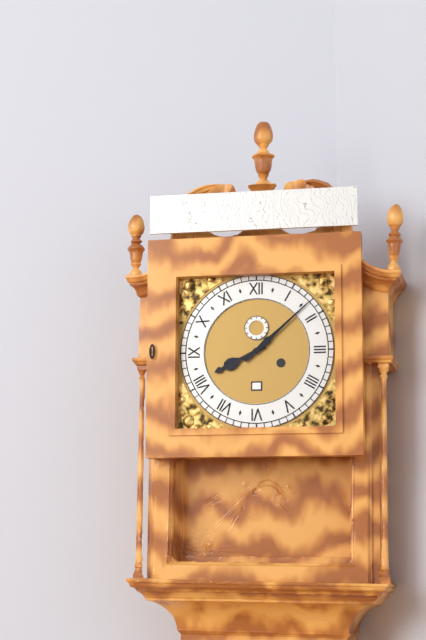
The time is 8:08
